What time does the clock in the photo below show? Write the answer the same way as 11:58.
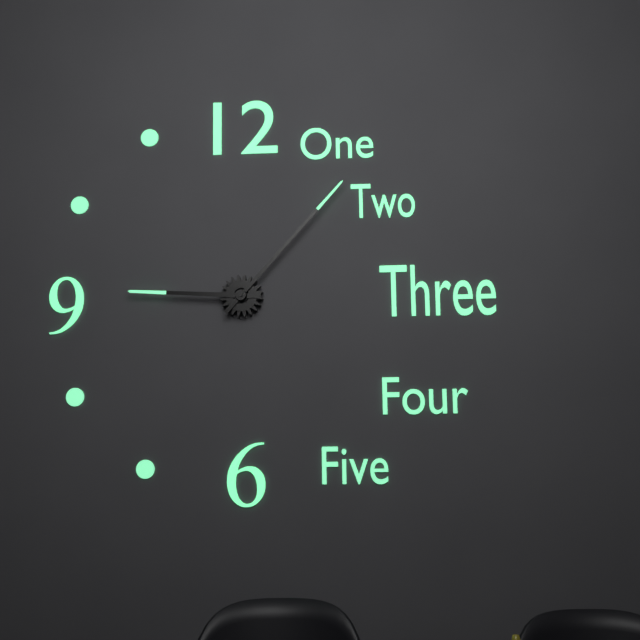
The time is 9:07
